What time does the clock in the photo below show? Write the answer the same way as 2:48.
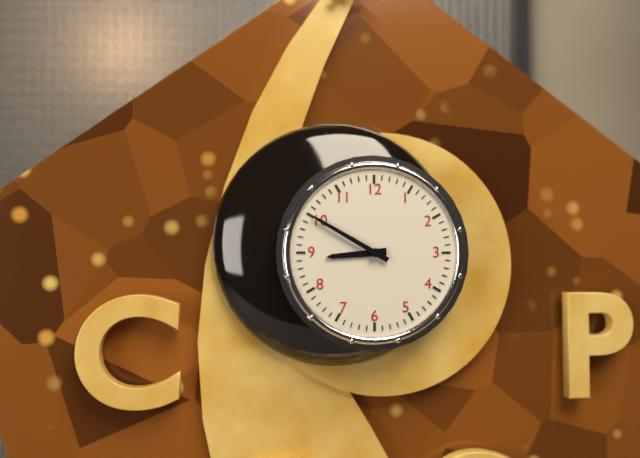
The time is 8:50
